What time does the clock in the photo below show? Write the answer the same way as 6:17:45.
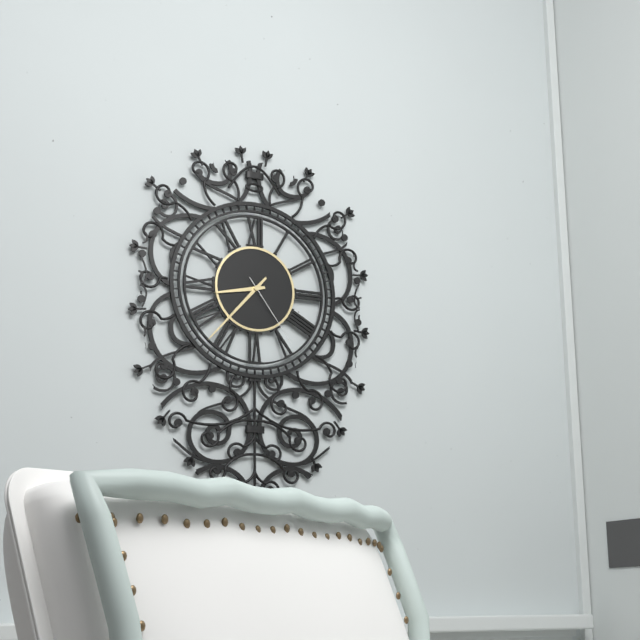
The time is 8:37:24
